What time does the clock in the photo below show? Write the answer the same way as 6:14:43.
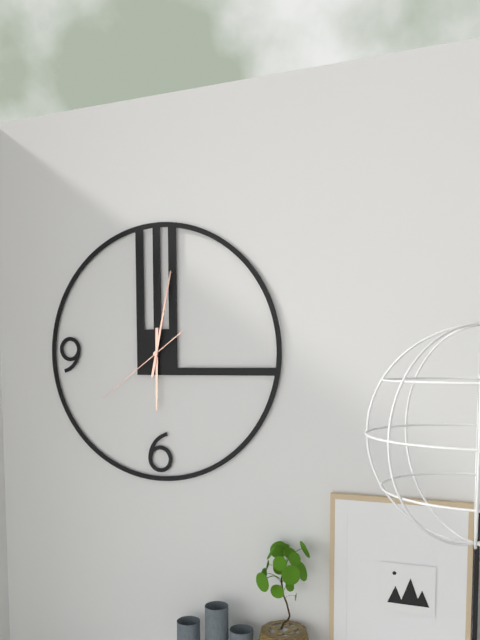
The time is 6:02:39
